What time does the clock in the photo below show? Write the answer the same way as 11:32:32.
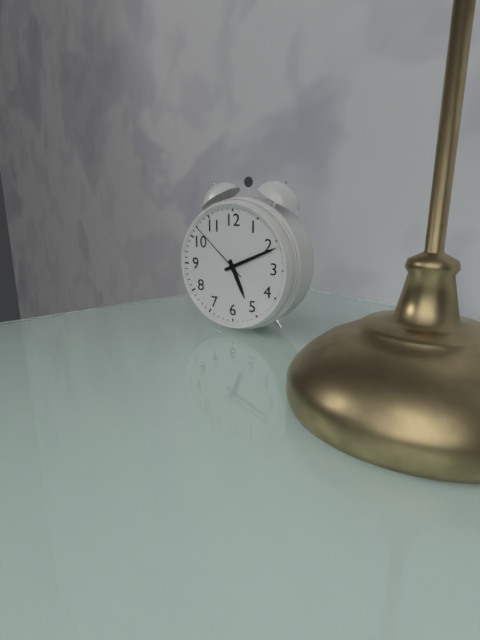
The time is 5:11:52
